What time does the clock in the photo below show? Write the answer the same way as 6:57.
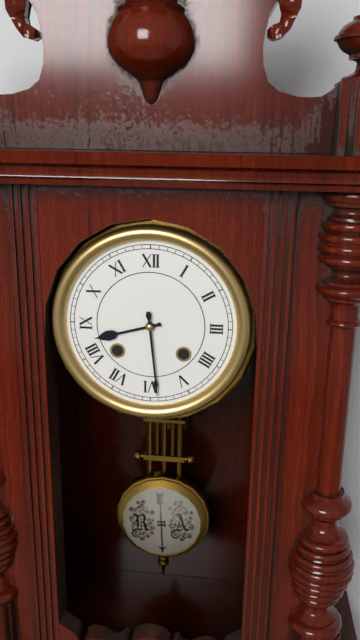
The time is 8:29
